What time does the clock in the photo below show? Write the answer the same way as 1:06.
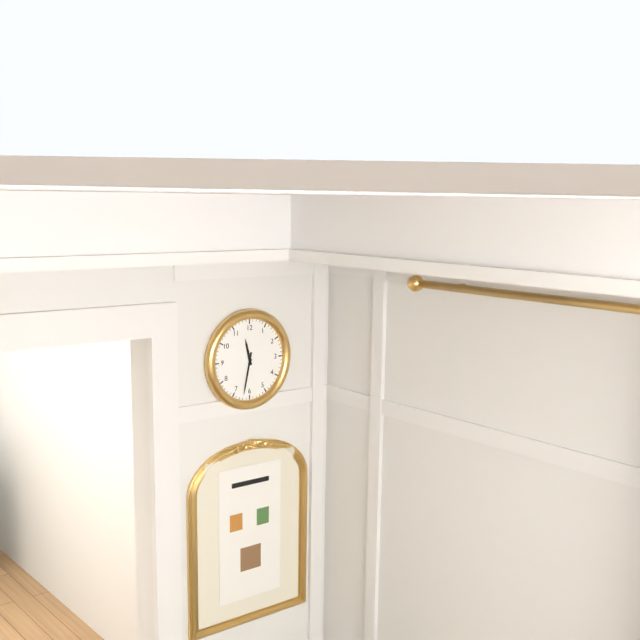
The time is 11:32
